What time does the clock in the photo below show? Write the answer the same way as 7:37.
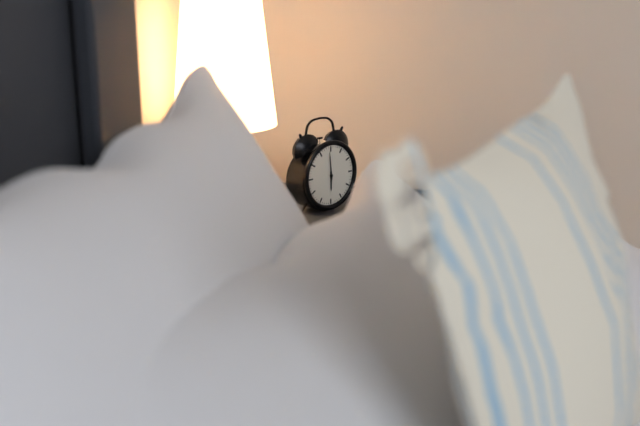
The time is 5:59
